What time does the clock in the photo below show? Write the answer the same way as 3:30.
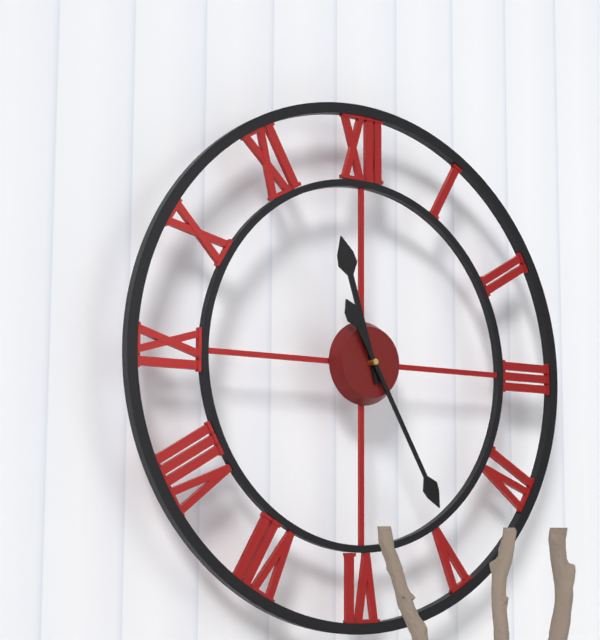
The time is 11:25
